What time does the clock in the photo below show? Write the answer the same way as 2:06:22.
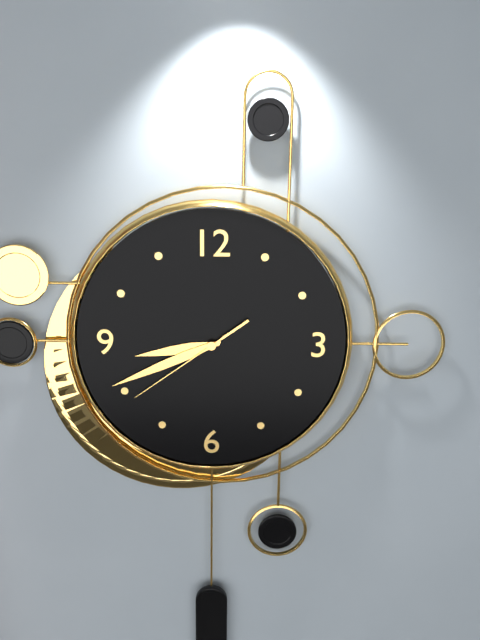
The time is 8:41:39
